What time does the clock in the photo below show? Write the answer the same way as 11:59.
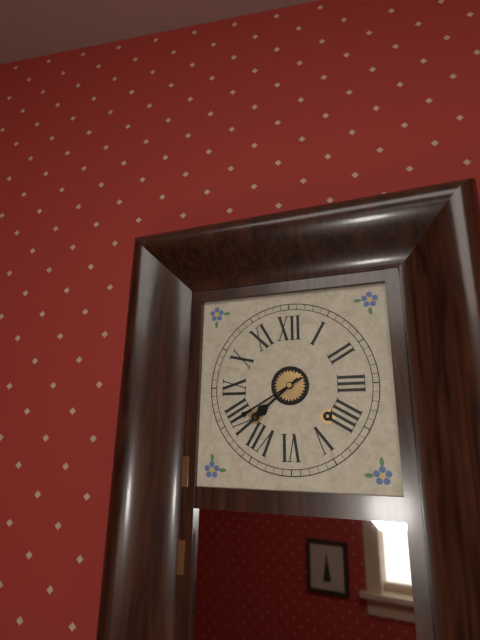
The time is 7:40
